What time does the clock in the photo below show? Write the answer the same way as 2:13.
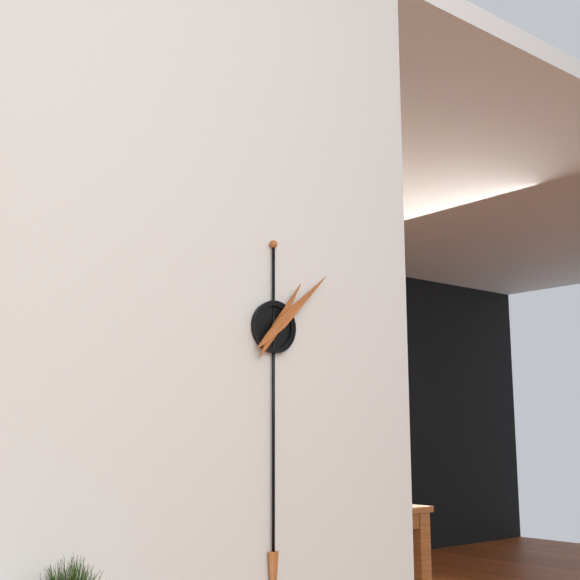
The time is 1:08
